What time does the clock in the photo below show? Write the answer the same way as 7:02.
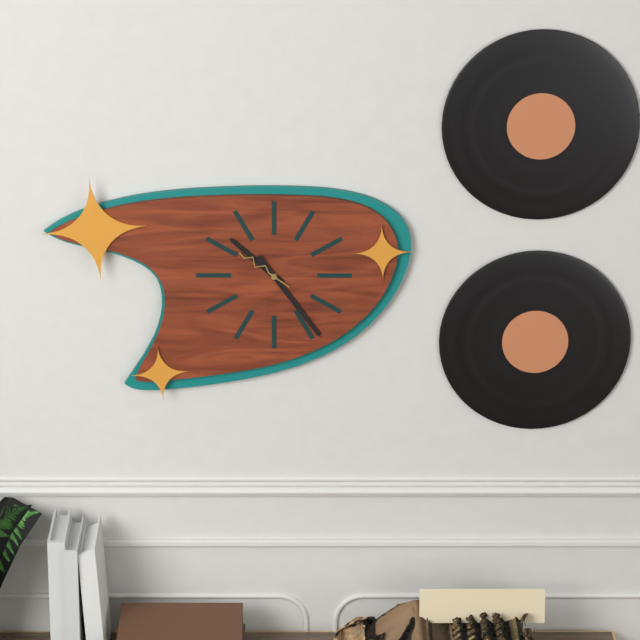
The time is 10:24
